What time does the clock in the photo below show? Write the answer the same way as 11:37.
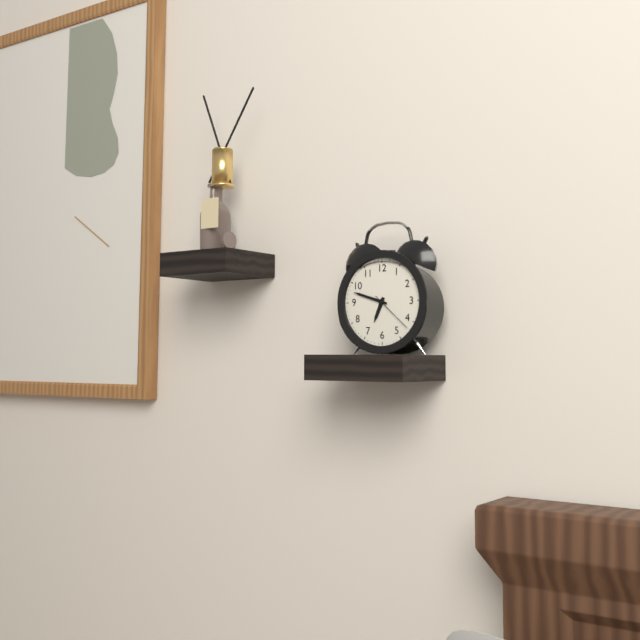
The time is 6:48
